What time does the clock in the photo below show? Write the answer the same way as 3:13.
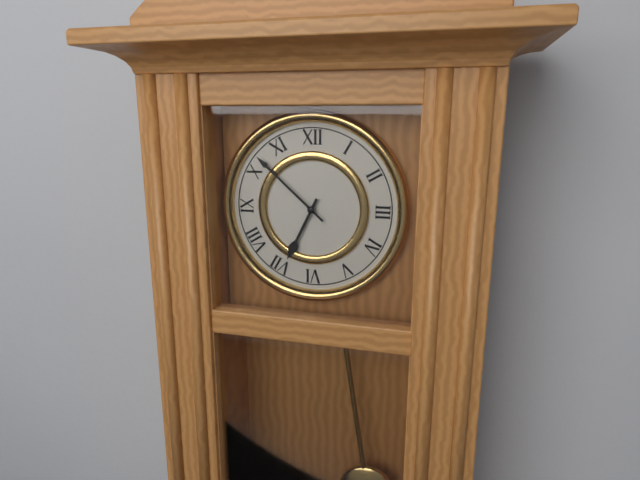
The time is 6:52
